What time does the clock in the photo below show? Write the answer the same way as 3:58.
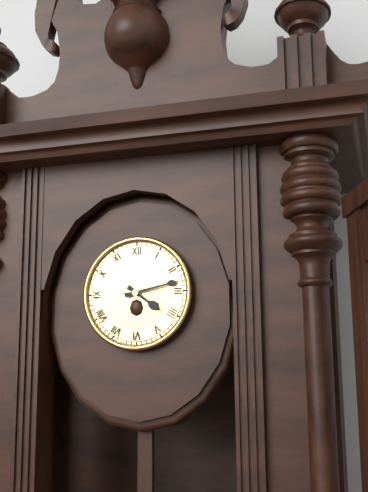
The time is 4:13
